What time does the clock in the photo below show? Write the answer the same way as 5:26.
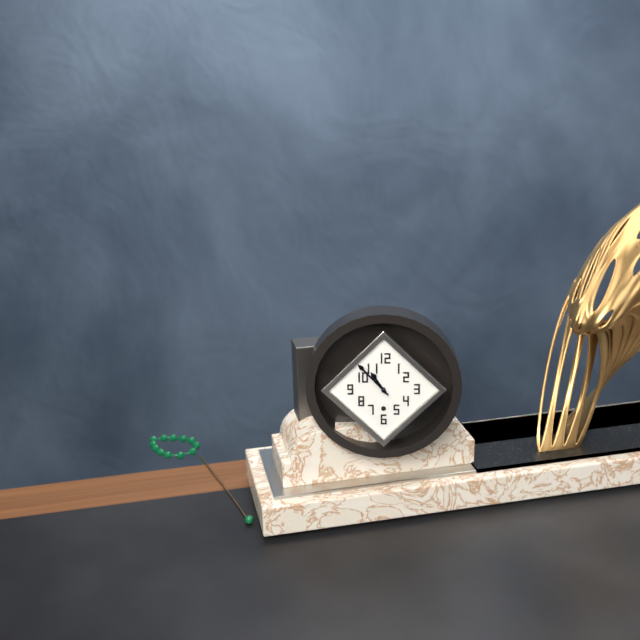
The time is 10:53
